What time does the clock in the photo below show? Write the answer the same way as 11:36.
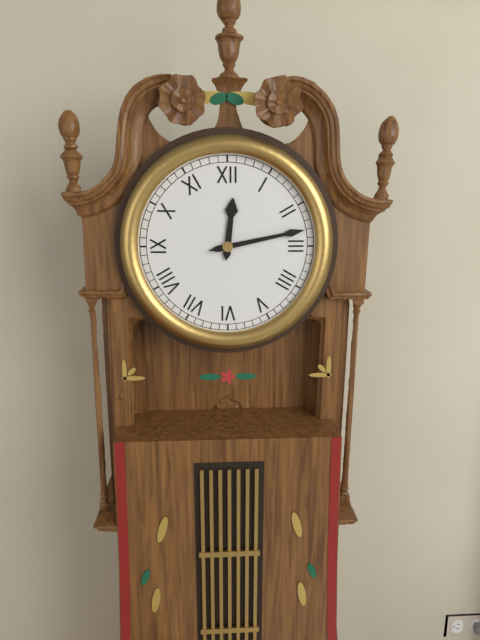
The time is 12:13
